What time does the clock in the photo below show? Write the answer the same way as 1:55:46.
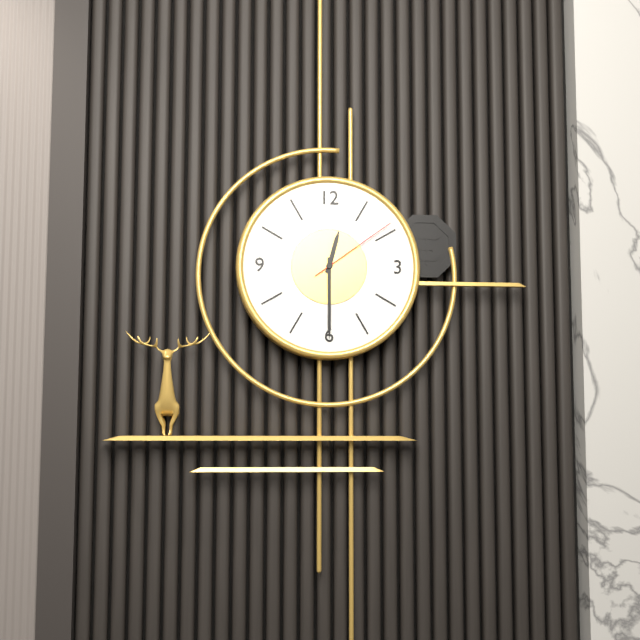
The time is 12:30:09
